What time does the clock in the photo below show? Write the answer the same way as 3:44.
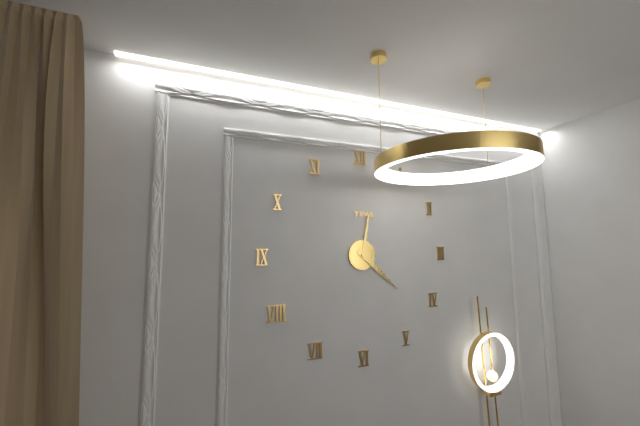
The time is 12:22
